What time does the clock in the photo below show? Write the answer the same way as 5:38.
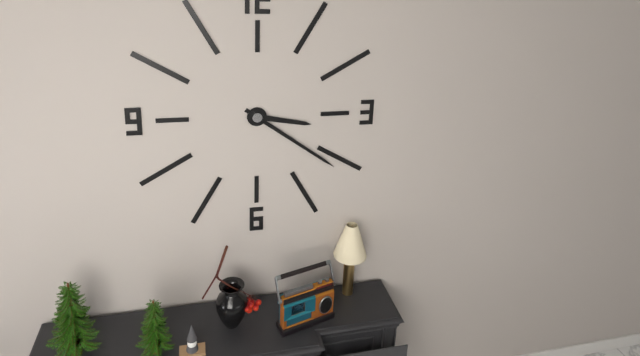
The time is 3:21
